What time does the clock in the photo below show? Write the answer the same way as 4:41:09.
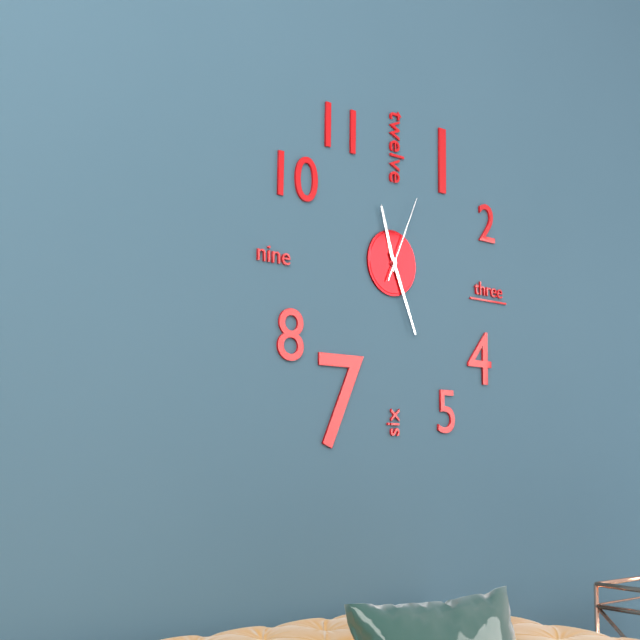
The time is 11:26:04
